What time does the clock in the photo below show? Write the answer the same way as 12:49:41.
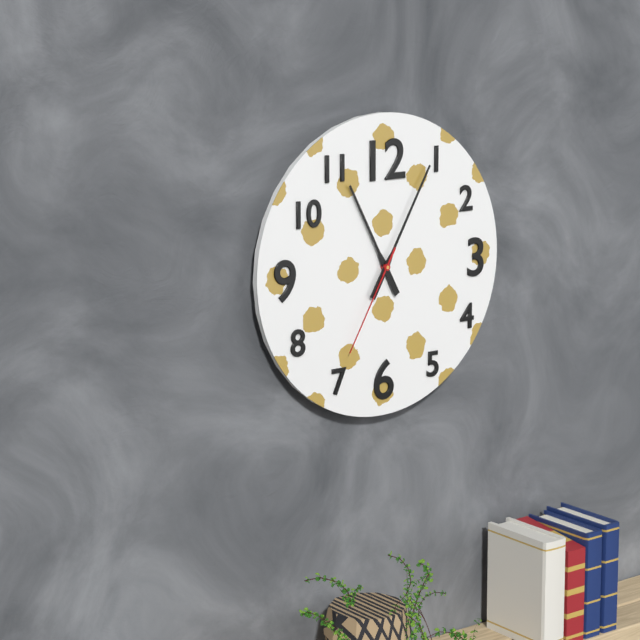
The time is 11:05:35
